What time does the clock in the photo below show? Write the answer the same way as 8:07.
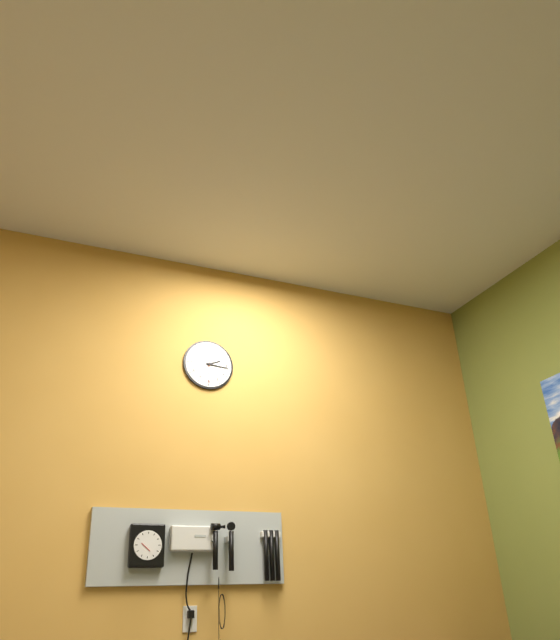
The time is 2:16
